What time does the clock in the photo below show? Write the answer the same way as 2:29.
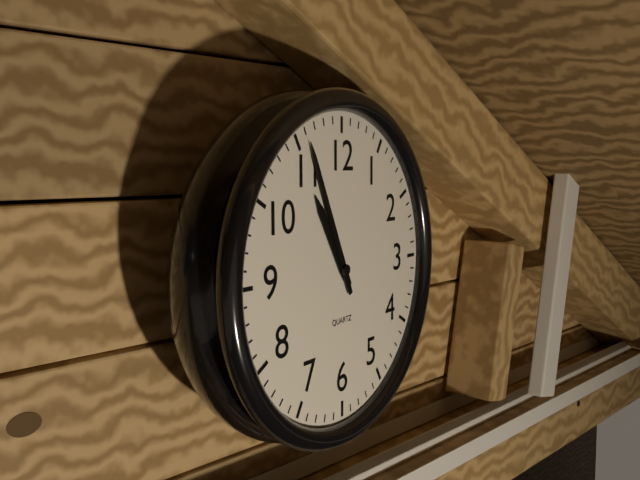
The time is 10:56
